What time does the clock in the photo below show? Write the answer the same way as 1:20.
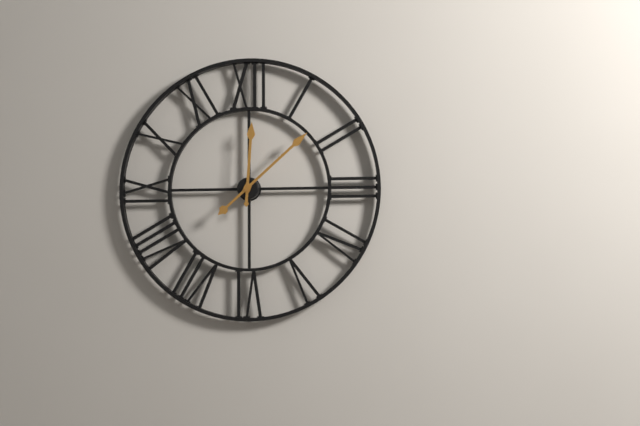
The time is 12:08
